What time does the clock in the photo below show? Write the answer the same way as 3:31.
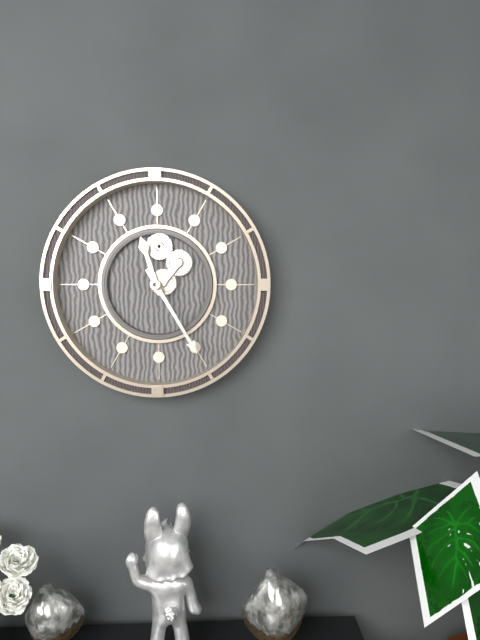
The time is 11:25
